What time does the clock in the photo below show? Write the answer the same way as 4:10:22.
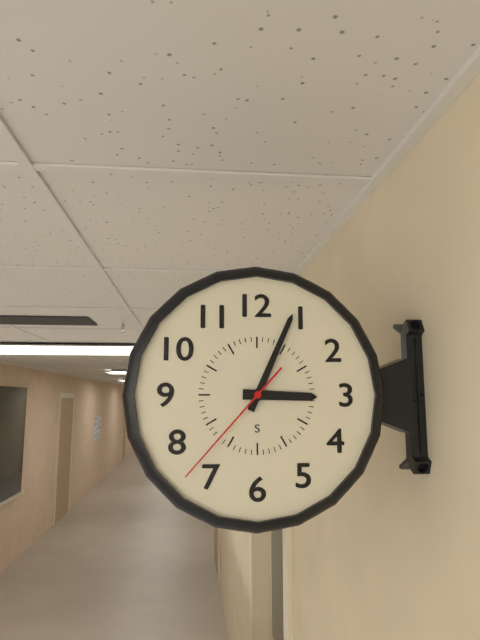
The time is 3:04:37
